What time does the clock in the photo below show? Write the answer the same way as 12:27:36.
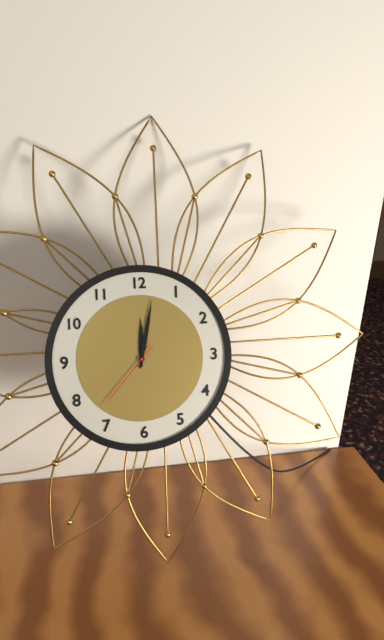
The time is 12:02:37
